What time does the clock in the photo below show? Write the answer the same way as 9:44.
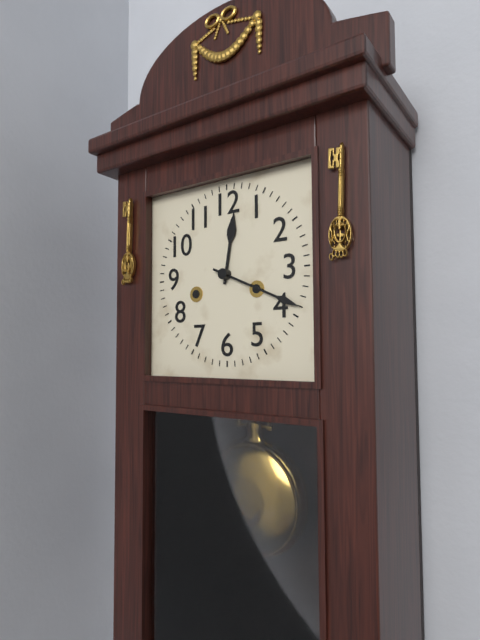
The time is 12:19
